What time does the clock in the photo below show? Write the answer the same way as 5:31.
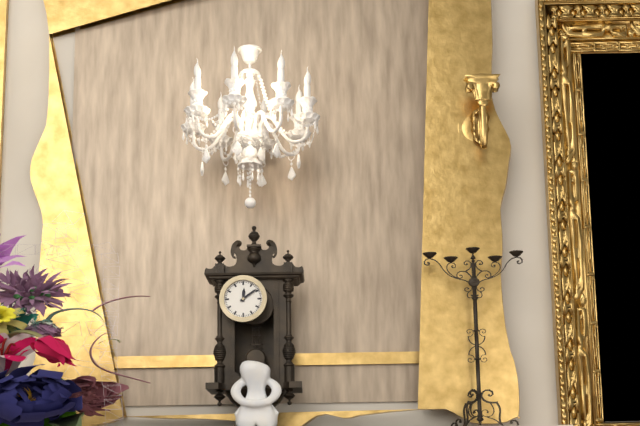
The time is 12:09
